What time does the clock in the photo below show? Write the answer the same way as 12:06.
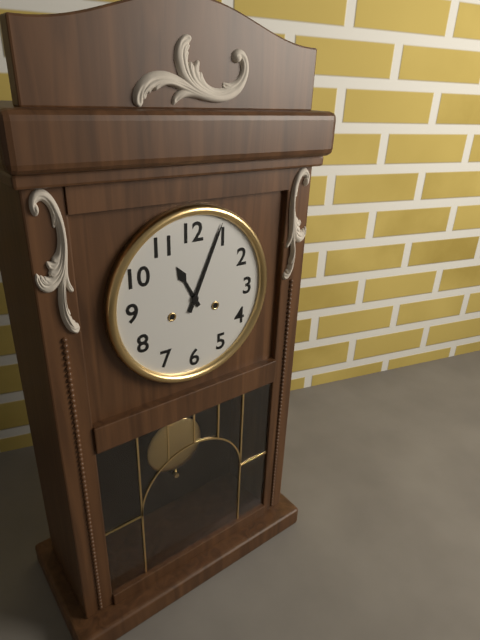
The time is 11:04
